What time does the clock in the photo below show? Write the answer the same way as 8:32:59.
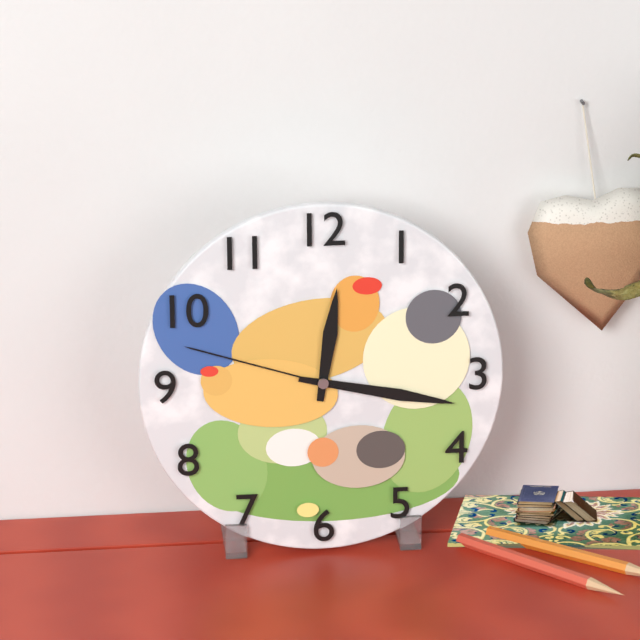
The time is 12:17:48
